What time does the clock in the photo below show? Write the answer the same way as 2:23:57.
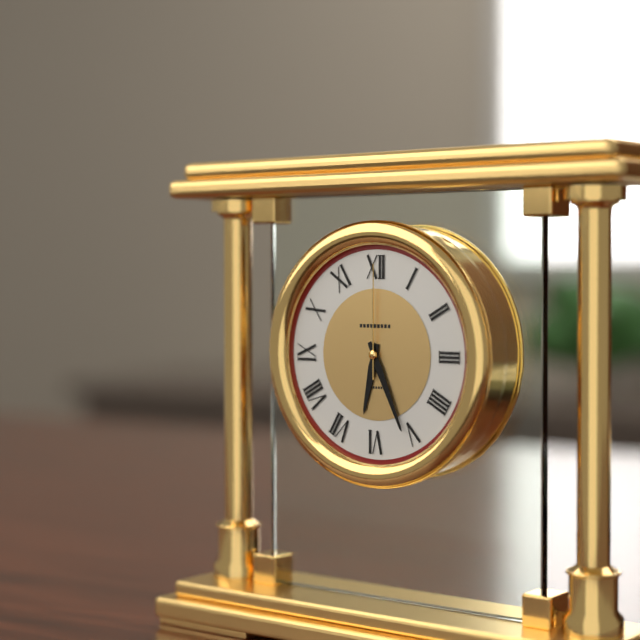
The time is 6:26:00
